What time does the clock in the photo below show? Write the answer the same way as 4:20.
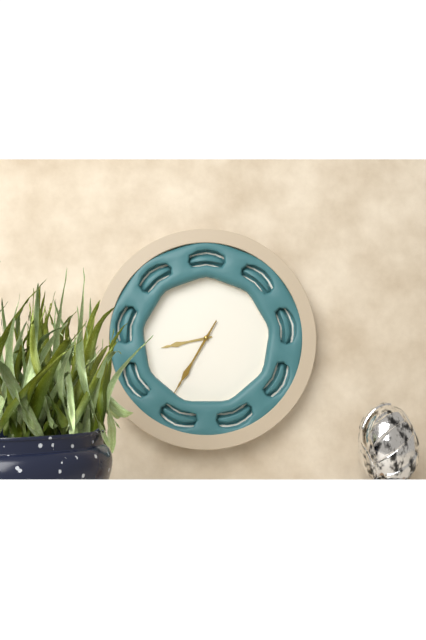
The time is 8:35
